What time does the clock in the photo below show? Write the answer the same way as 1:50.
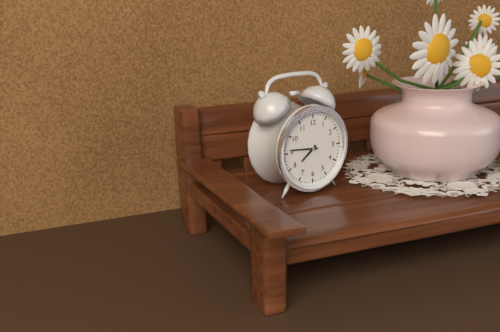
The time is 7:46
